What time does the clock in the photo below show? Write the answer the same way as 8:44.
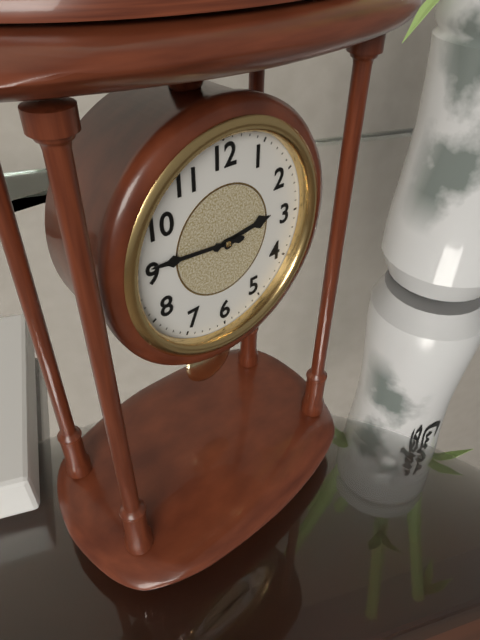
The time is 2:46
